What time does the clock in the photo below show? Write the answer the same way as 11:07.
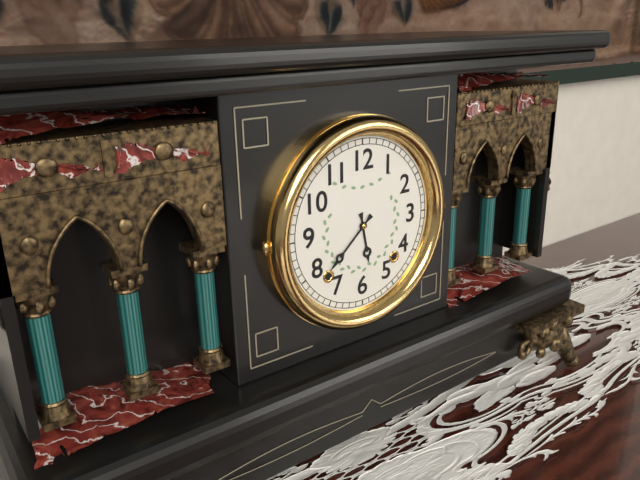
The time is 5:38
